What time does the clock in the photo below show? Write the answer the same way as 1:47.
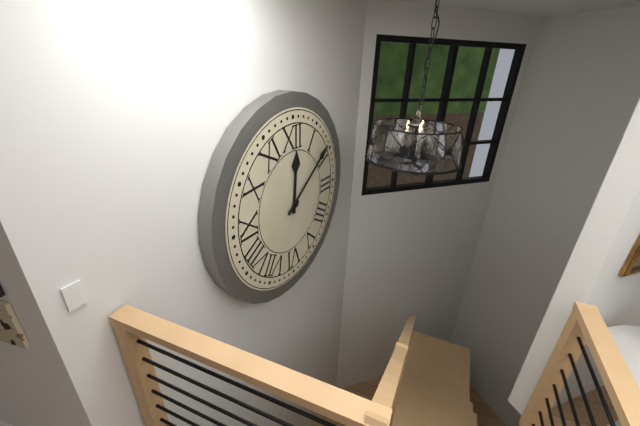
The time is 12:09
